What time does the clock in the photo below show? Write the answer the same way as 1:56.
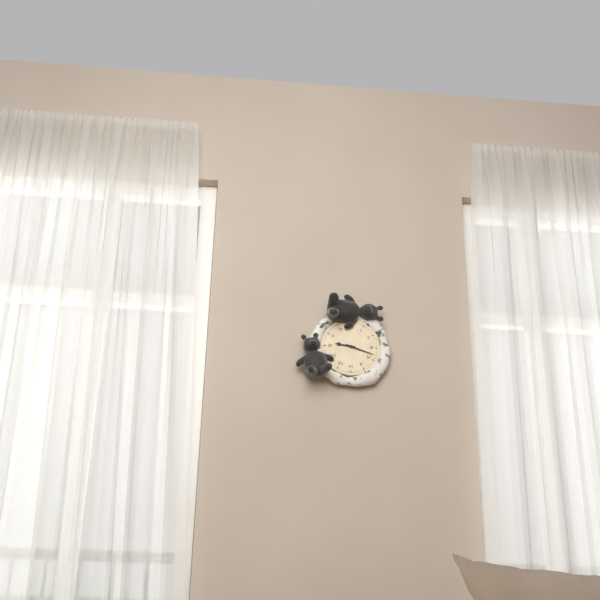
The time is 9:18
